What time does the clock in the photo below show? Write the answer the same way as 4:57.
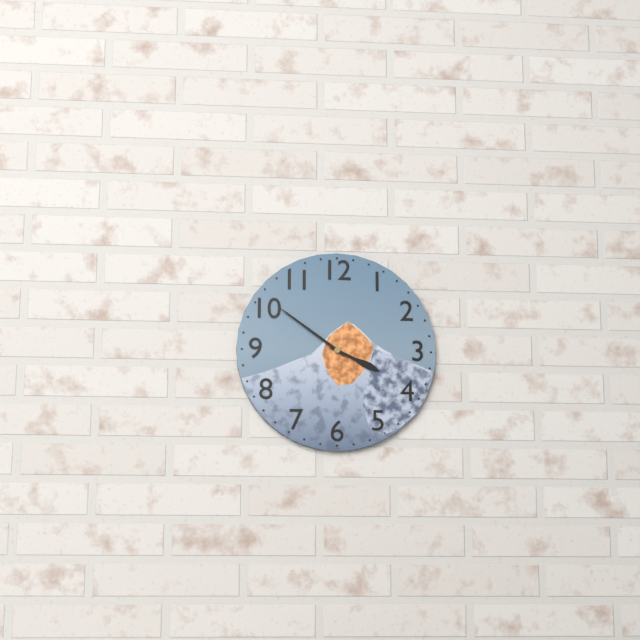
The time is 3:51
